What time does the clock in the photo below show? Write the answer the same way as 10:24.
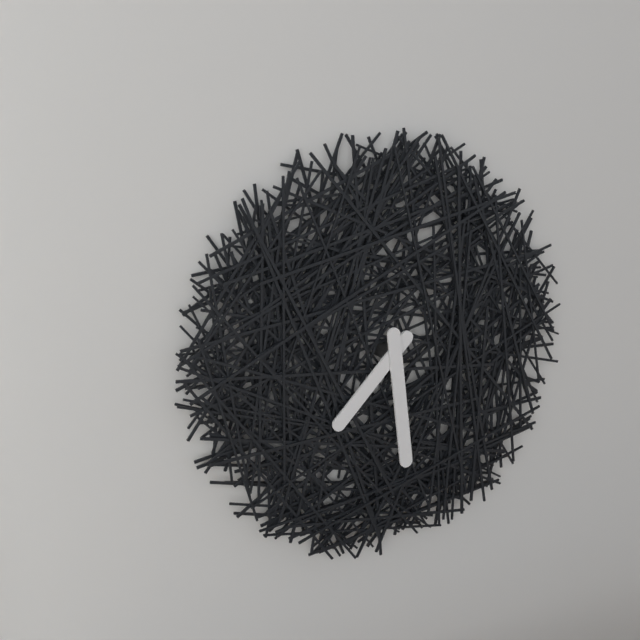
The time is 7:29
